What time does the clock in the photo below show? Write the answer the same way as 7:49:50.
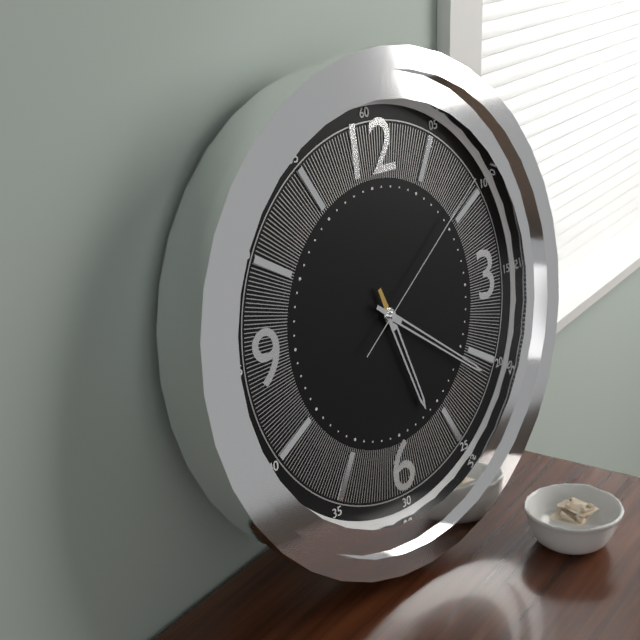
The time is 5:21:09
